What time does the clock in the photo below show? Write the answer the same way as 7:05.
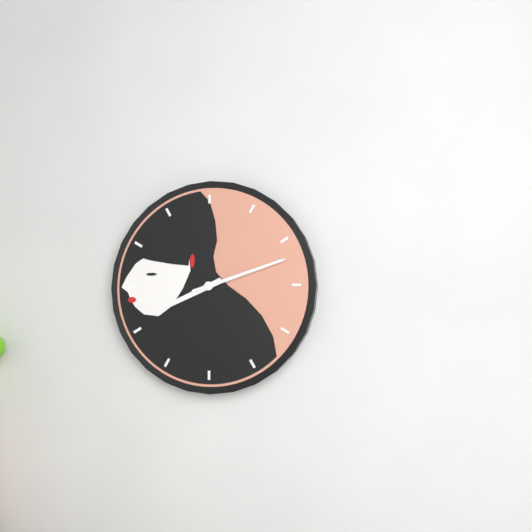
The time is 8:12
